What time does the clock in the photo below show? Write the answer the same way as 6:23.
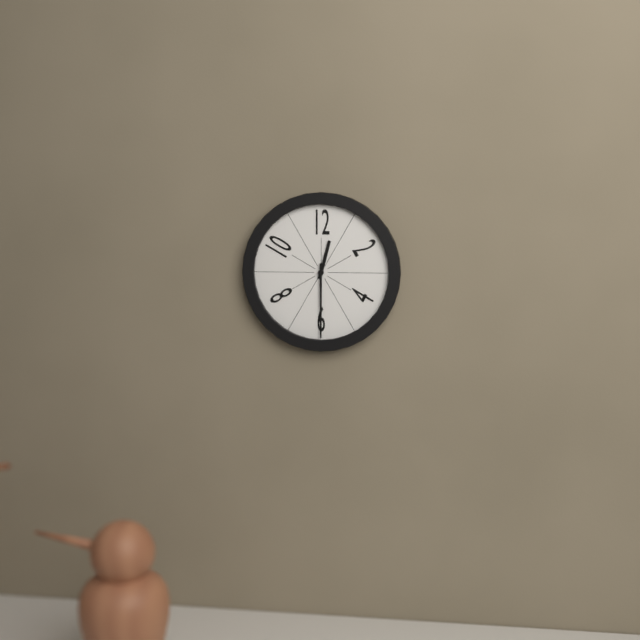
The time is 12:30
